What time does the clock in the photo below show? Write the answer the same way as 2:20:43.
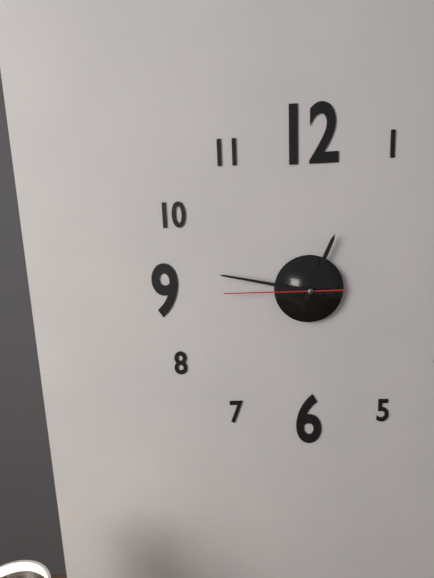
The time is 12:47:45
